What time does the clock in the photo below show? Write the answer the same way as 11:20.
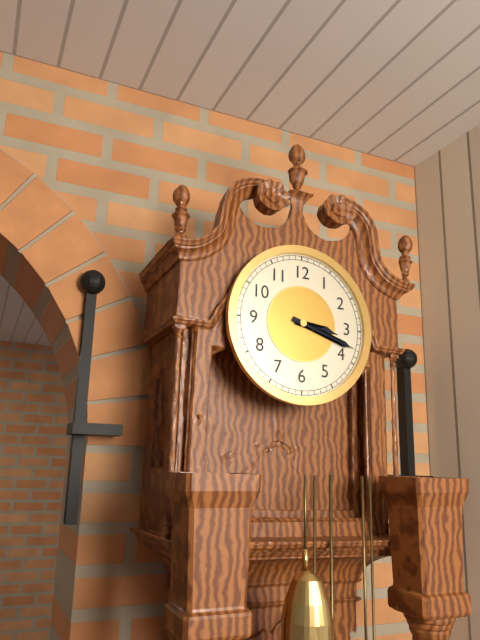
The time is 3:18
